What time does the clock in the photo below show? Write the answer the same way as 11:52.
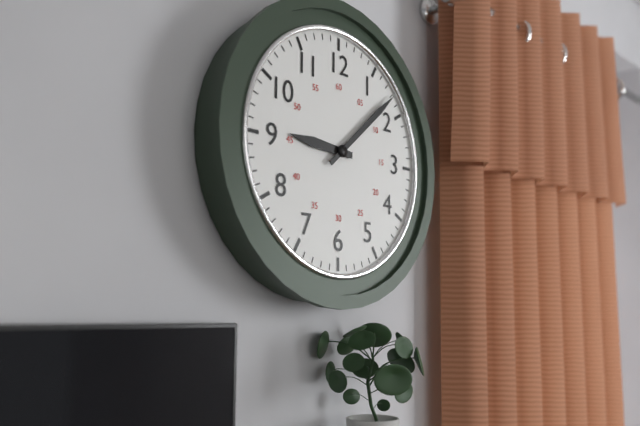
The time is 9:08
